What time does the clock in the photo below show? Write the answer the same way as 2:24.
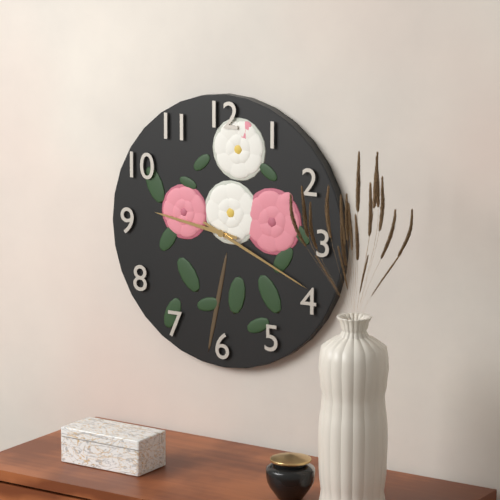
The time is 9:19
